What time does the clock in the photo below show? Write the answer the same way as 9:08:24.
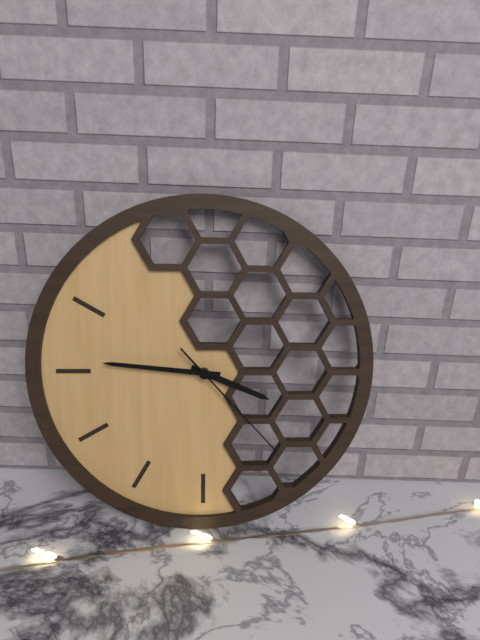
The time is 3:46:23
